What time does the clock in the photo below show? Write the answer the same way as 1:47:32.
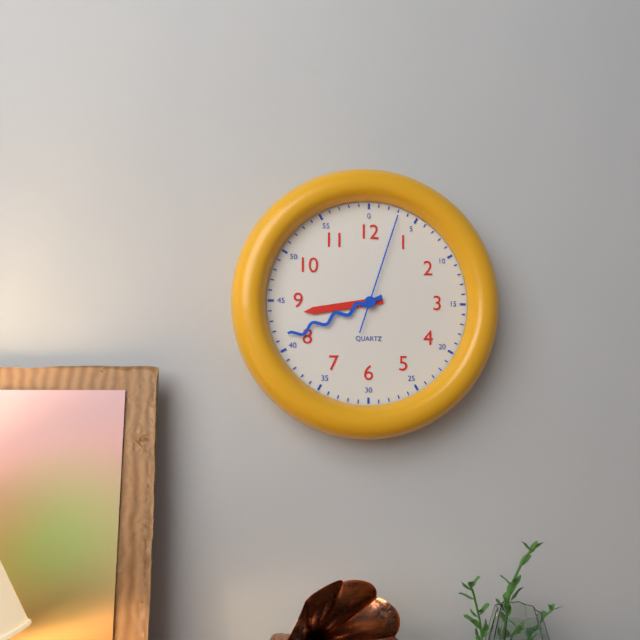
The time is 8:41:03
